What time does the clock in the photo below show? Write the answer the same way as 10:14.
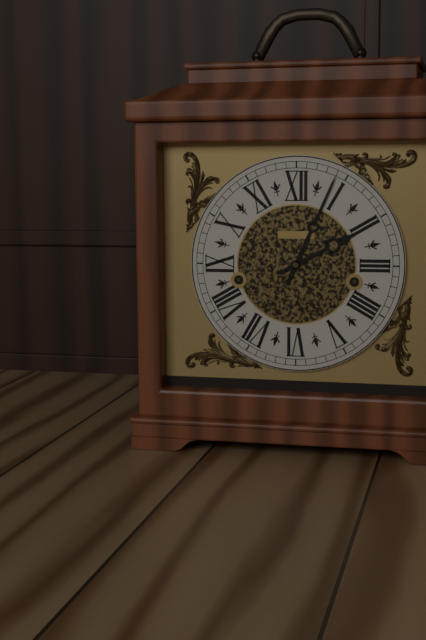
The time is 2:04
